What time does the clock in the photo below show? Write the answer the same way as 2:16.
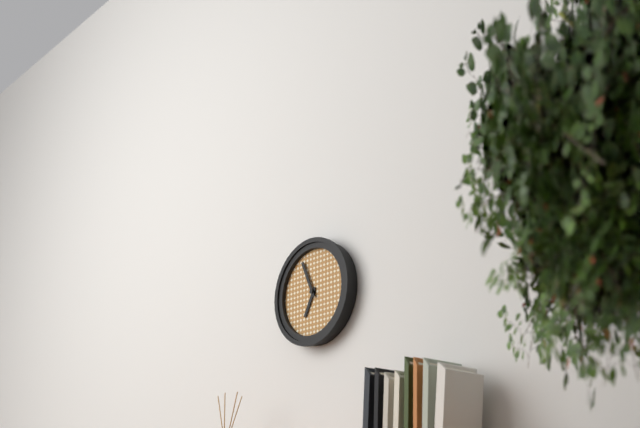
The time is 6:56
